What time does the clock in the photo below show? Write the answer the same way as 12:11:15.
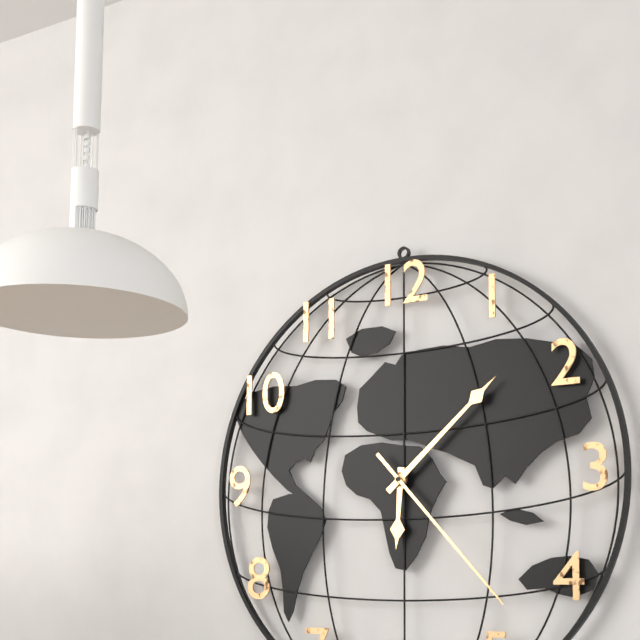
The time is 6:08:23
